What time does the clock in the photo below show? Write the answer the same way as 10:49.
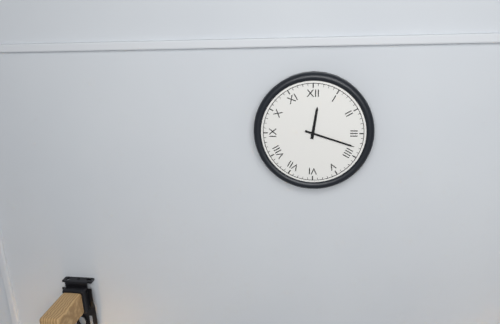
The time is 12:18
